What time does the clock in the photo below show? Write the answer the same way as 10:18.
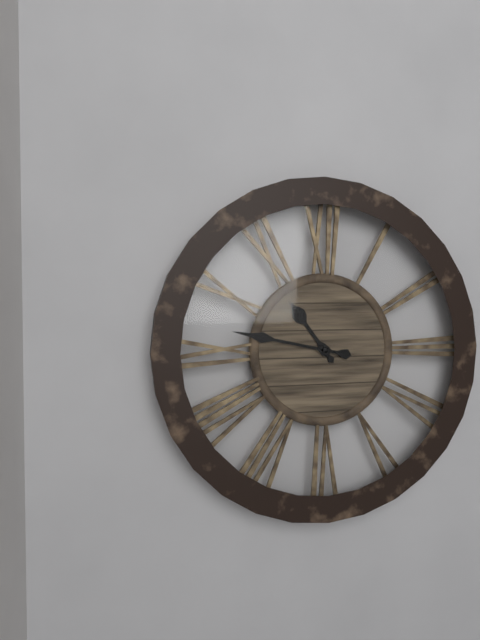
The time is 10:47
